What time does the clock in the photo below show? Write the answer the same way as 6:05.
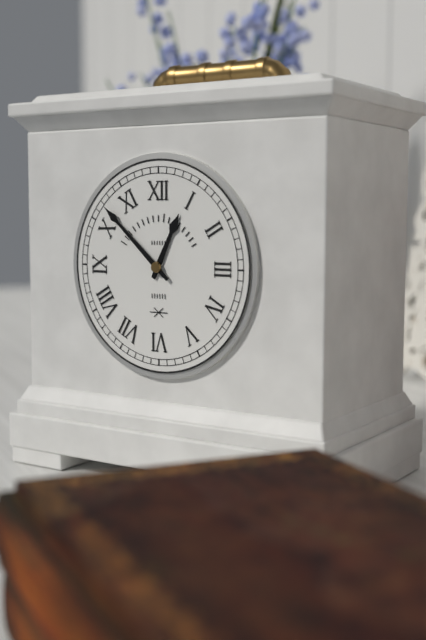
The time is 12:52
